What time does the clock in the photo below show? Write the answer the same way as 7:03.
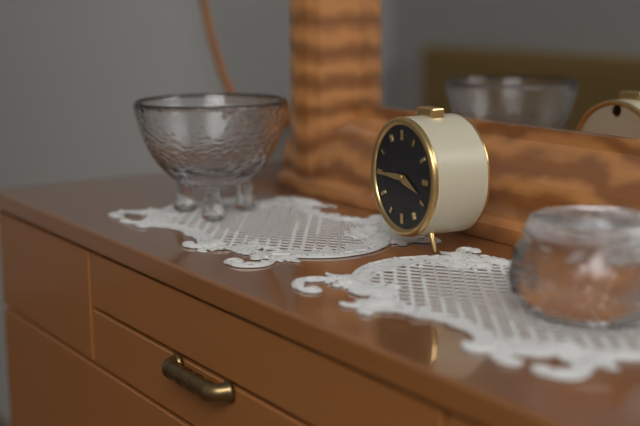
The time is 3:45
